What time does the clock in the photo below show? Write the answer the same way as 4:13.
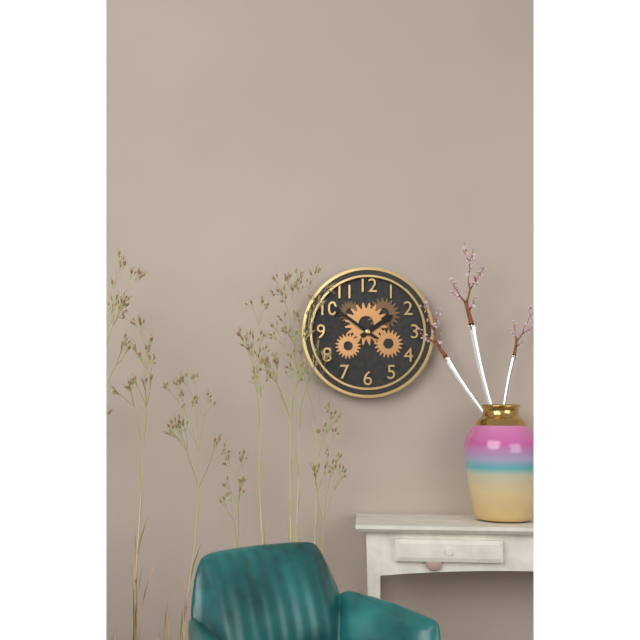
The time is 1:51
